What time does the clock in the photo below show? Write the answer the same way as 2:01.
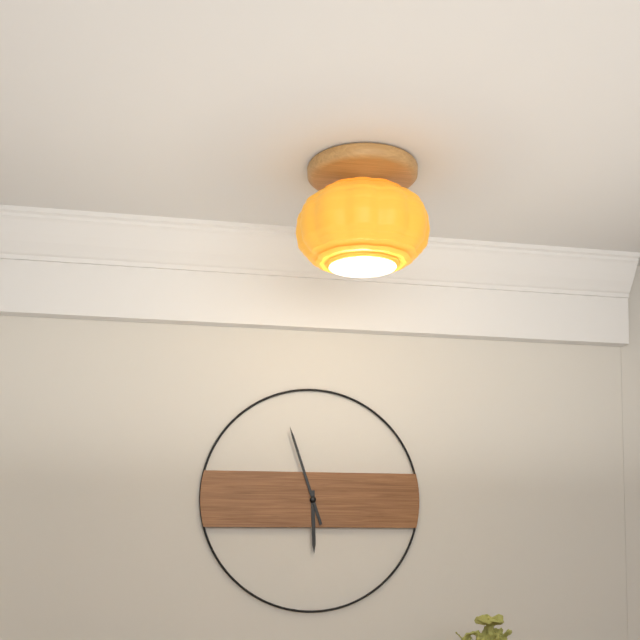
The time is 5:57
